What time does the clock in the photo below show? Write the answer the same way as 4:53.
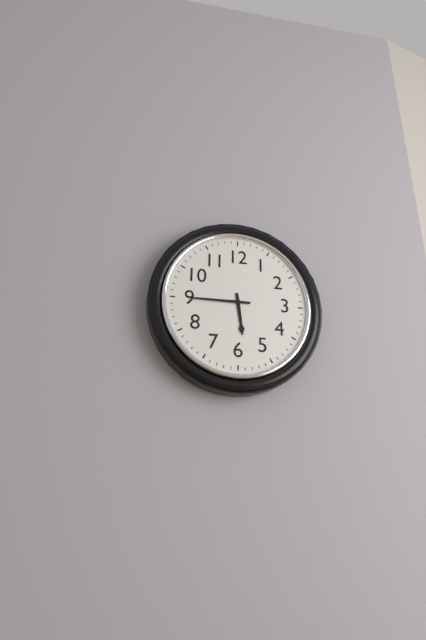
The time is 5:45
